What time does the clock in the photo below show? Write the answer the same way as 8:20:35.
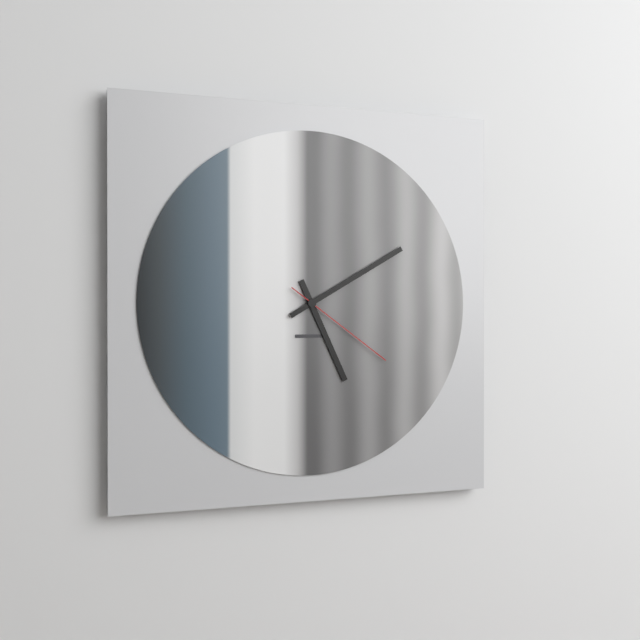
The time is 5:10:21
